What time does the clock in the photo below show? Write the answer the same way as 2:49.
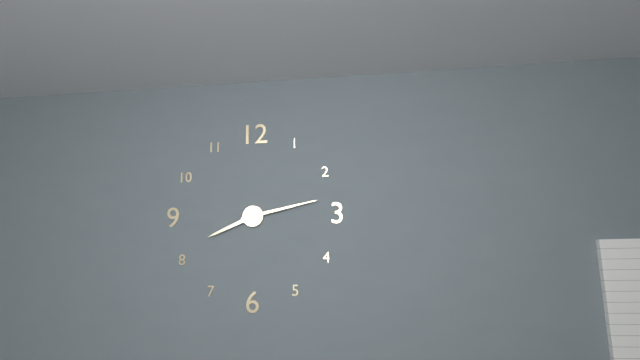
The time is 8:13
